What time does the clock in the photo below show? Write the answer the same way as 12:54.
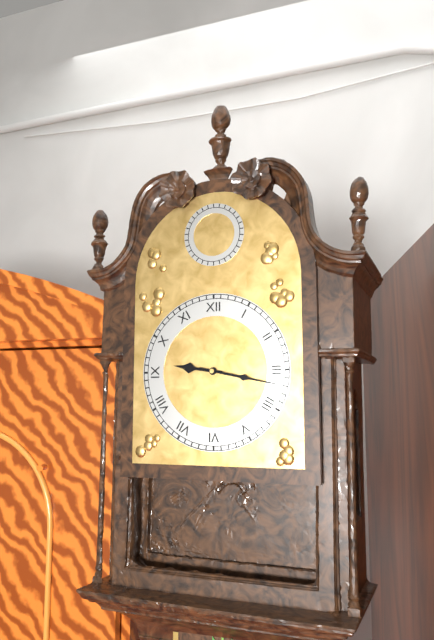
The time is 9:17
